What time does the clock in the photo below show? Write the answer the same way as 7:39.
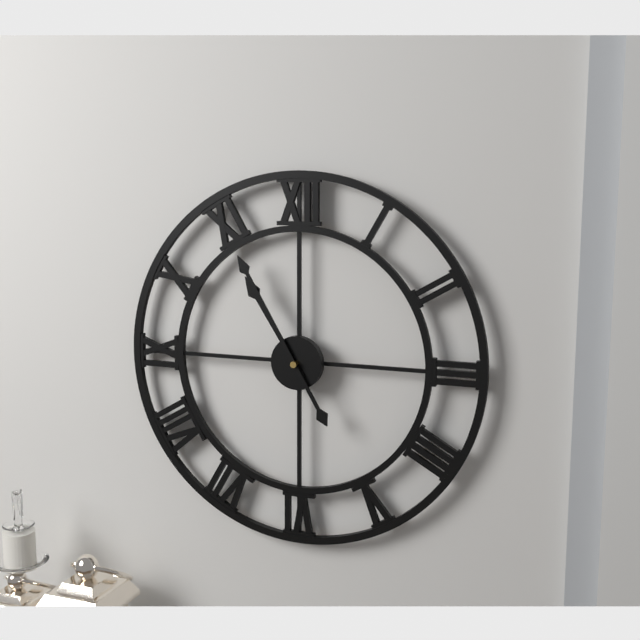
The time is 10:55
